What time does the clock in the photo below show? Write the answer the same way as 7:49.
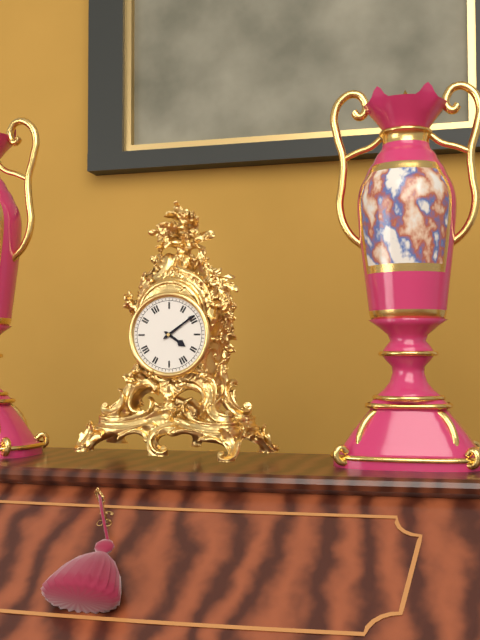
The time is 4:09
